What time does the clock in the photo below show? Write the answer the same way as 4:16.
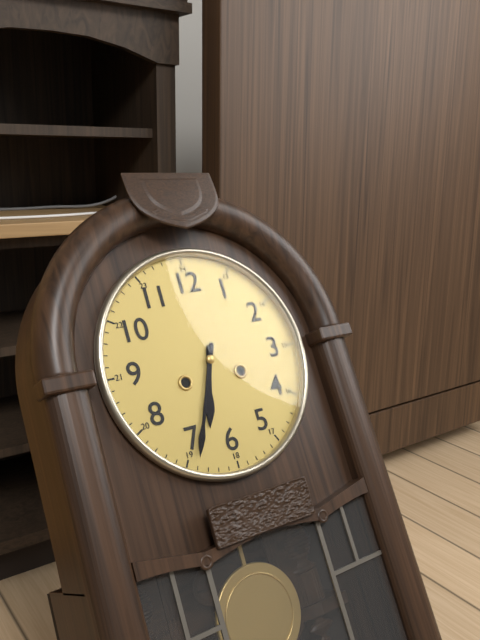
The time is 6:34
